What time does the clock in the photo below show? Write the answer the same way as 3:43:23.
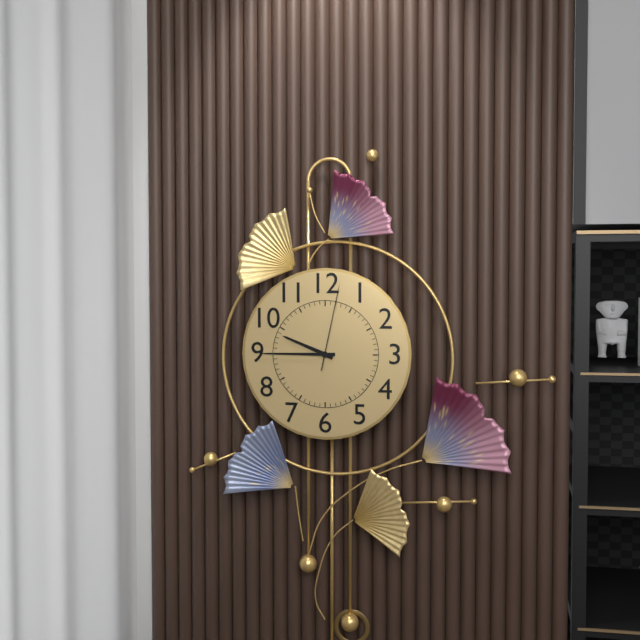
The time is 9:45:02
